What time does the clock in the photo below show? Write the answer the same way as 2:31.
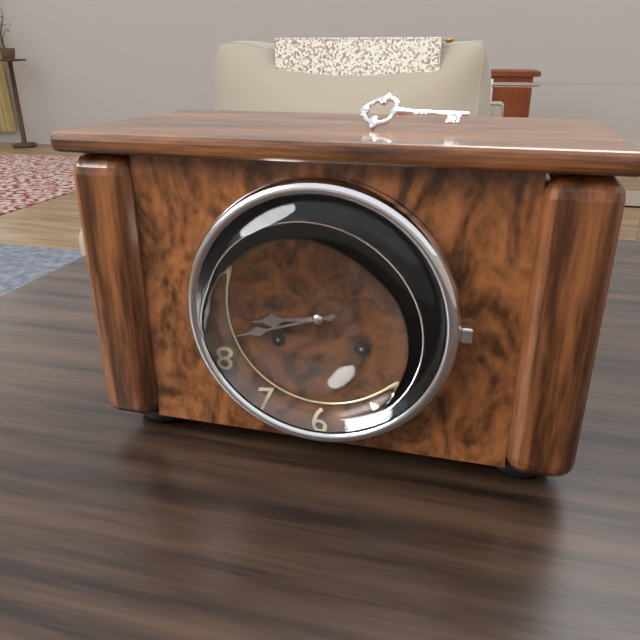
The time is 8:42
